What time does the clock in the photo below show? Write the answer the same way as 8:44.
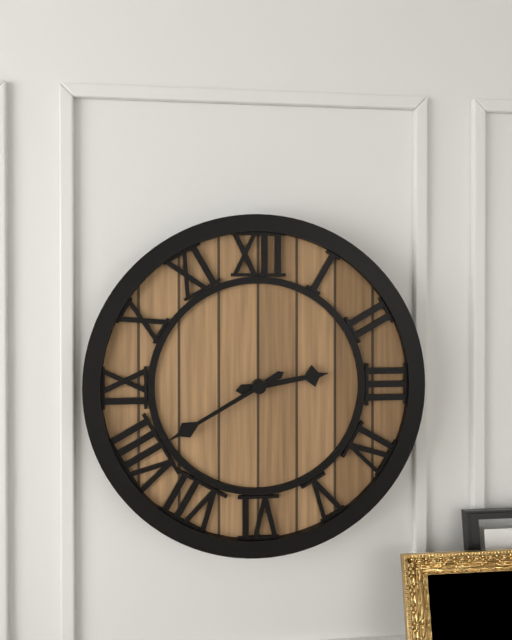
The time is 2:40
